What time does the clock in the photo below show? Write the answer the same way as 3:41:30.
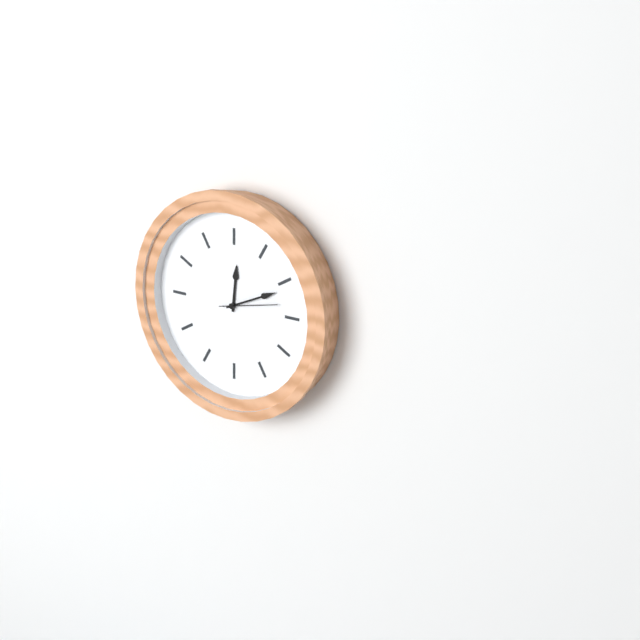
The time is 12:11:13
